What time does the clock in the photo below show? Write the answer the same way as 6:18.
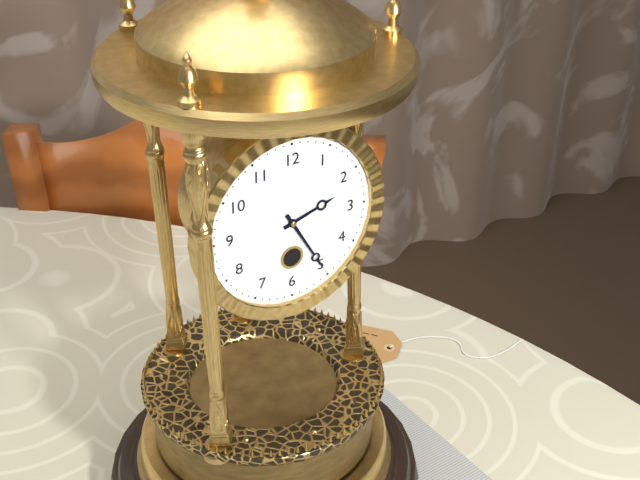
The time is 2:25
